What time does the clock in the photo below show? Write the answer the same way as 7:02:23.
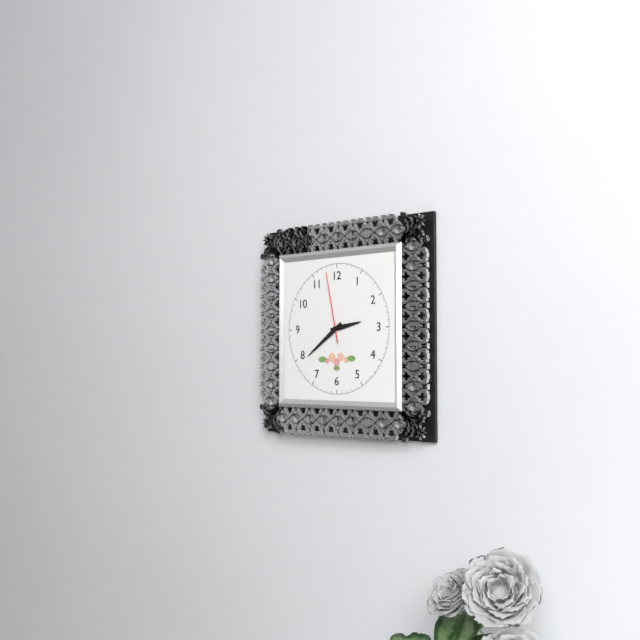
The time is 2:39:58
